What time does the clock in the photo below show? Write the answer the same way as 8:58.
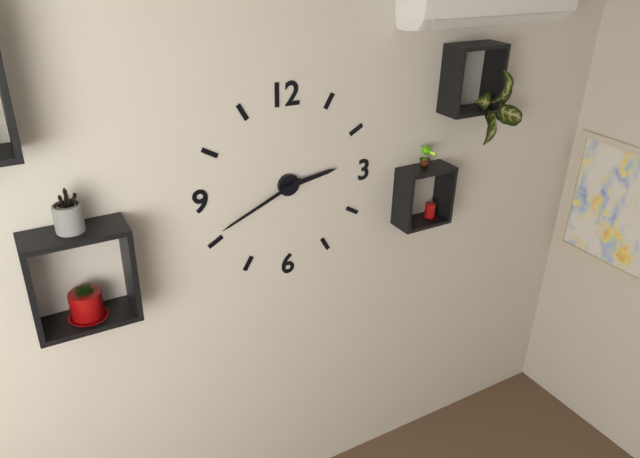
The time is 2:41
